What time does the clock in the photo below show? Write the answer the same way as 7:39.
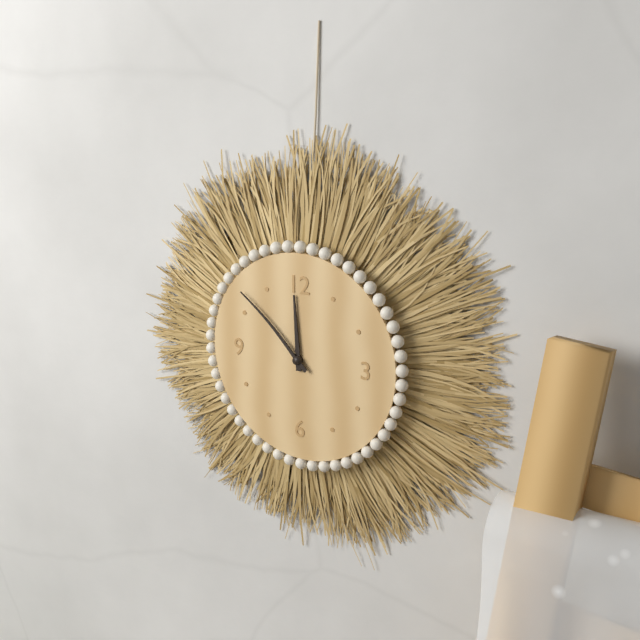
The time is 11:52
